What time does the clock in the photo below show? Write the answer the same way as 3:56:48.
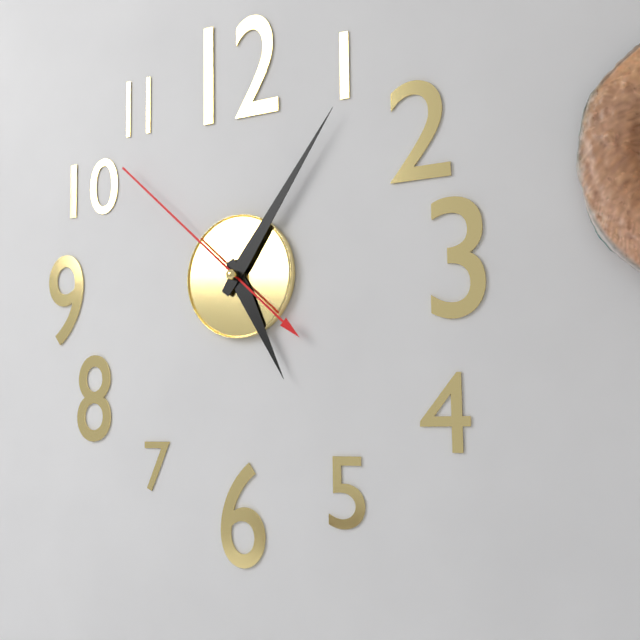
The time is 5:06:52
